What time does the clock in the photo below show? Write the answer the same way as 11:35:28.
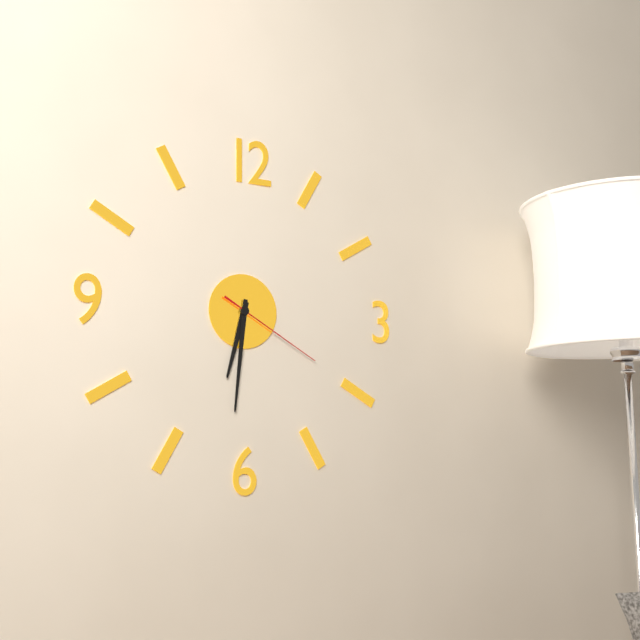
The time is 6:31:20
